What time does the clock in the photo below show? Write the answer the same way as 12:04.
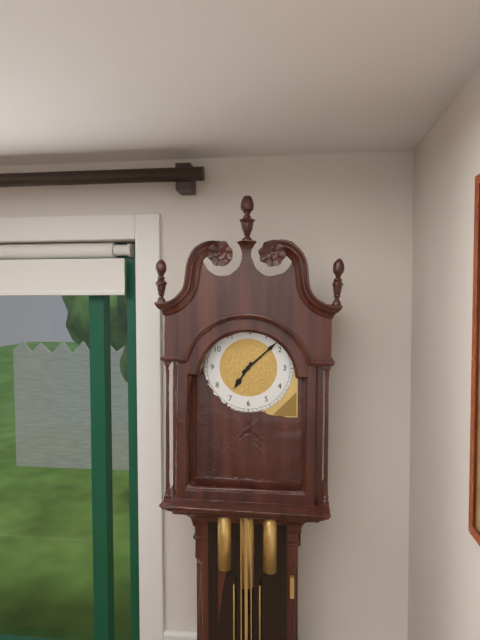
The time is 7:08
